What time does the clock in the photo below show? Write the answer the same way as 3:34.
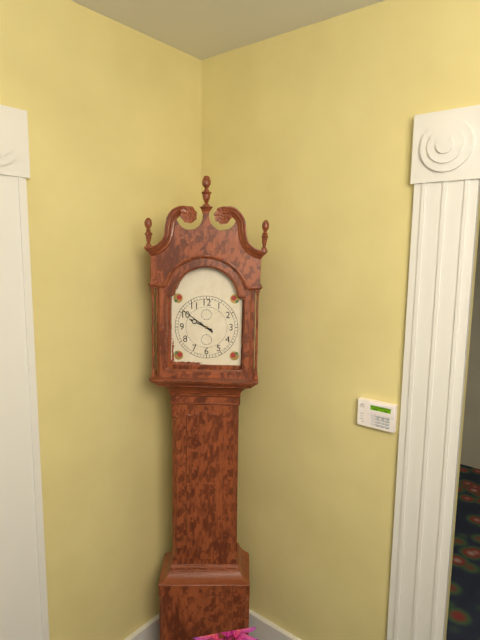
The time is 9:51
